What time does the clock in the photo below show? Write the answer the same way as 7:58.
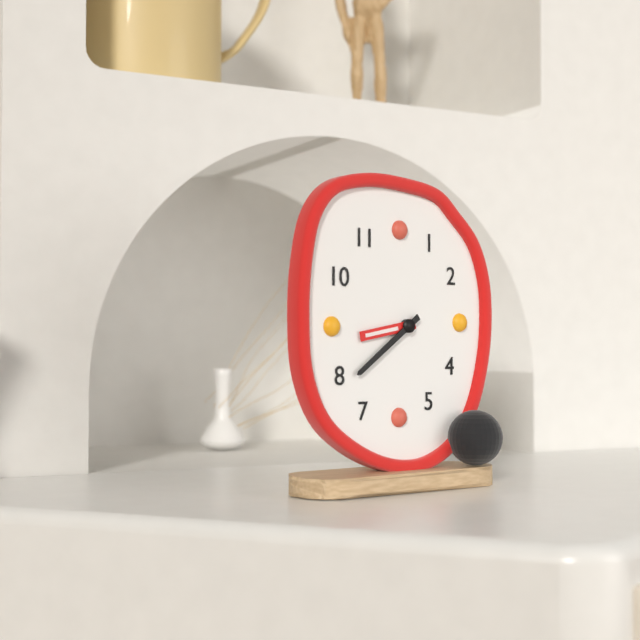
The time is 8:39
